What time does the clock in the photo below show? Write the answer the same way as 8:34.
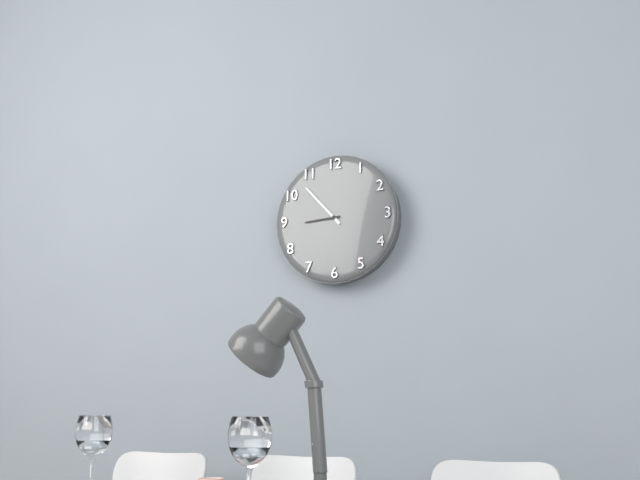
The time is 8:53
